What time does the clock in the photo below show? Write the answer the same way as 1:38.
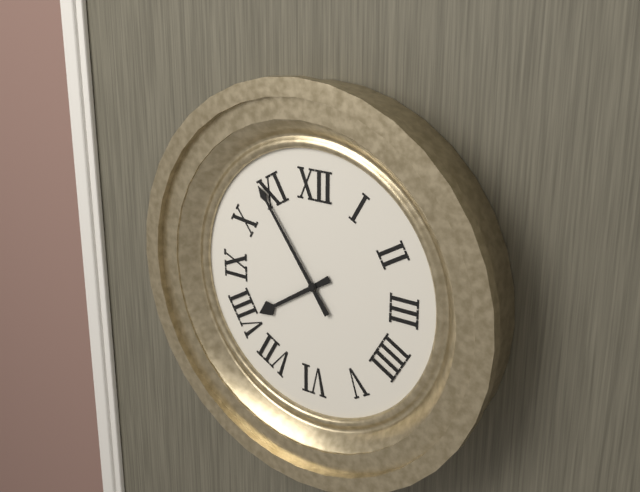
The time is 7:54
